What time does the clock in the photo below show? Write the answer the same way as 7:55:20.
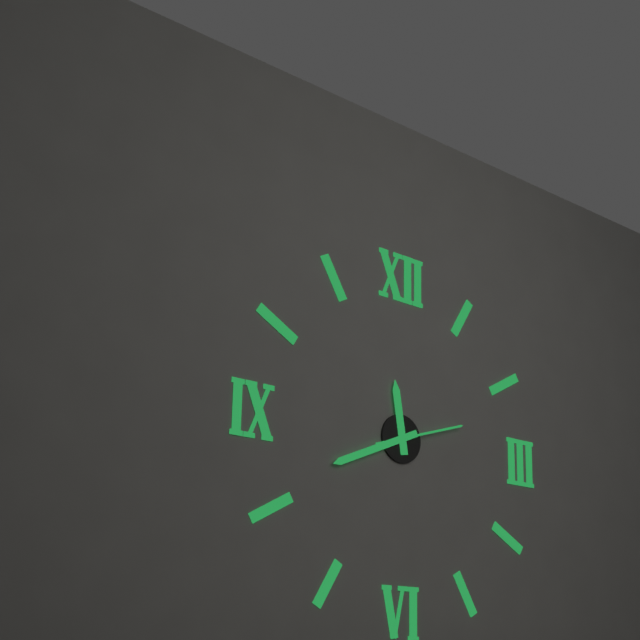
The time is 11:41:12
